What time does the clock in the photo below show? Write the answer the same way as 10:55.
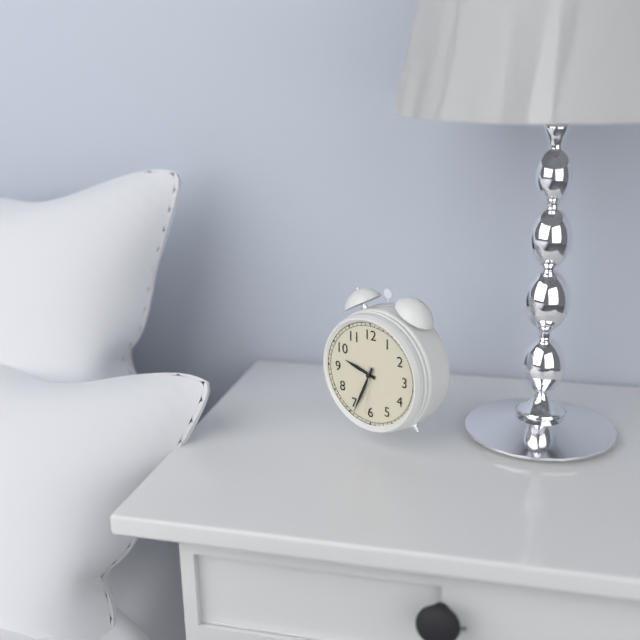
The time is 9:34
